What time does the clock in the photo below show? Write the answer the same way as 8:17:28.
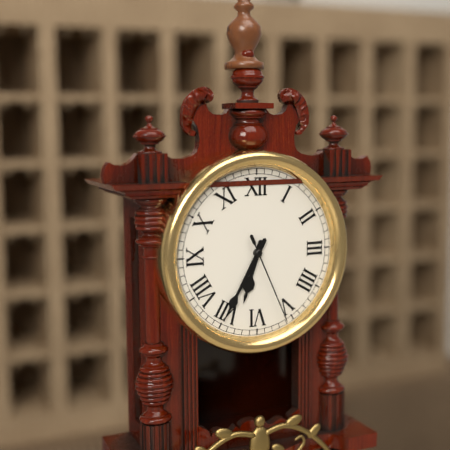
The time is 6:35:26
